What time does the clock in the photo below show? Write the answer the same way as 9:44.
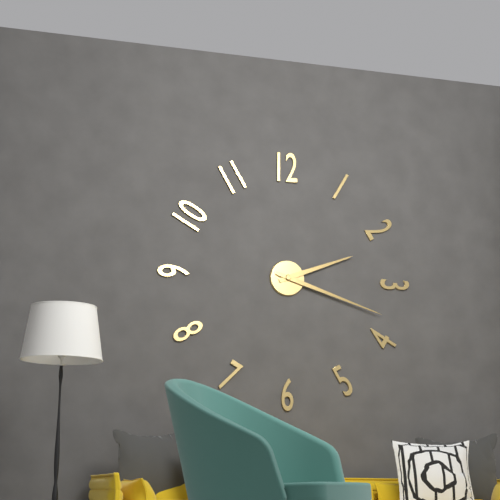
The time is 2:18
